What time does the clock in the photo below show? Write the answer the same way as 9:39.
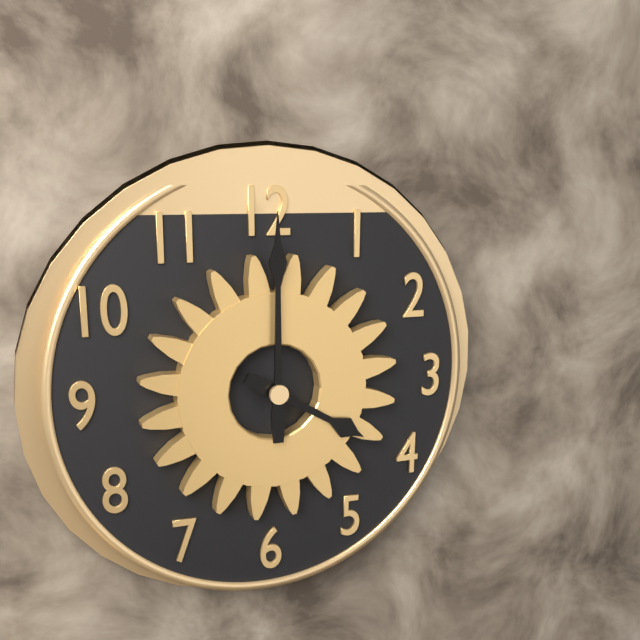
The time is 4:00
